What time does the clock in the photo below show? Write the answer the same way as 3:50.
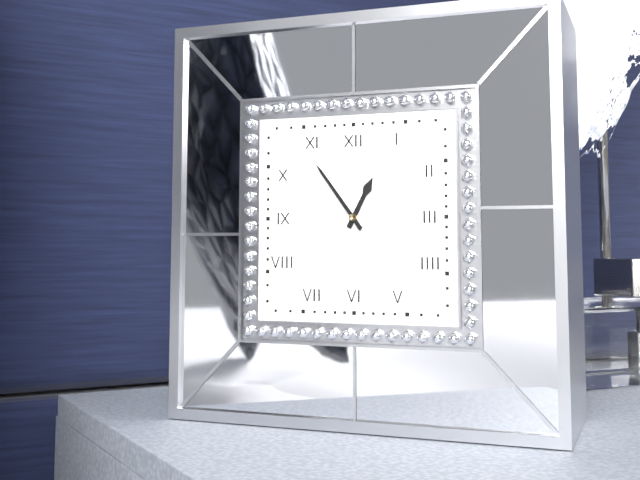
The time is 12:54
